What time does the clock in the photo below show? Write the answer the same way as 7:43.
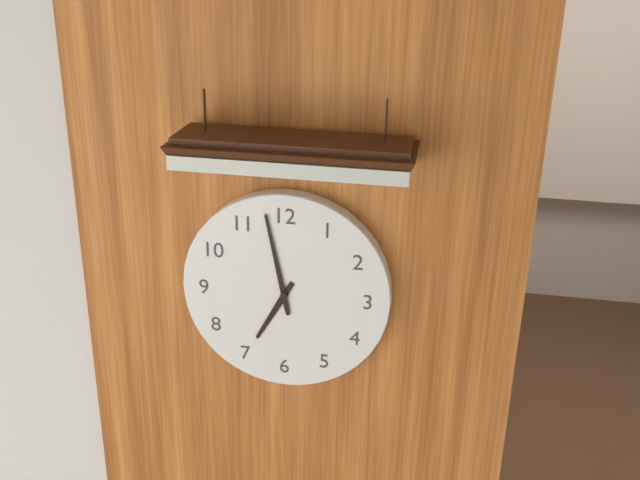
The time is 6:58
